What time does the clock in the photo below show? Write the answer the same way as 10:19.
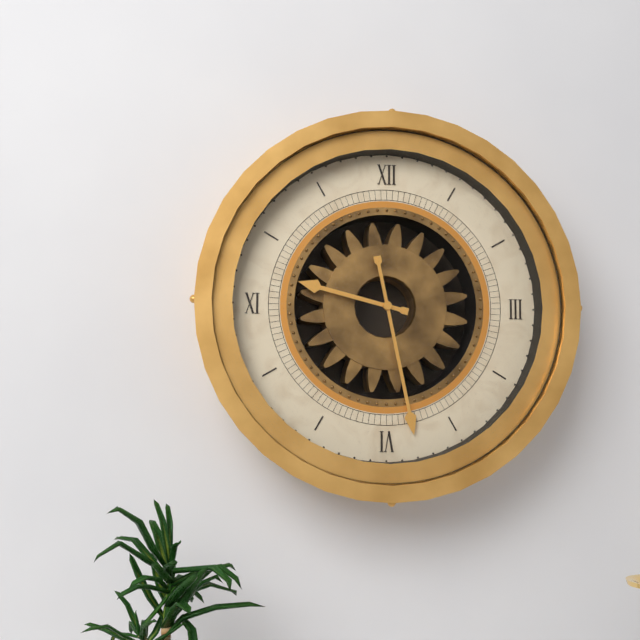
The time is 9:28
